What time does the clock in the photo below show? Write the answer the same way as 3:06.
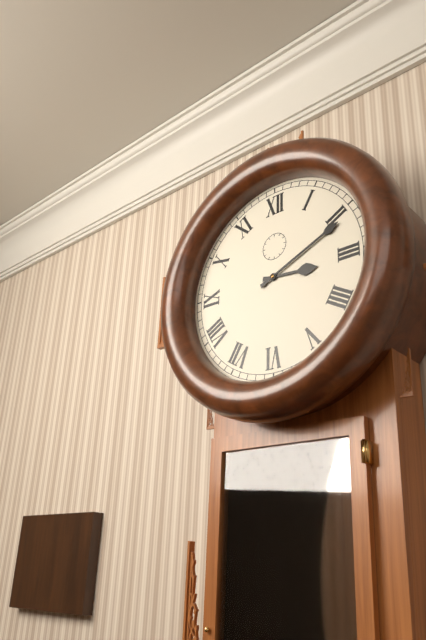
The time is 3:11
